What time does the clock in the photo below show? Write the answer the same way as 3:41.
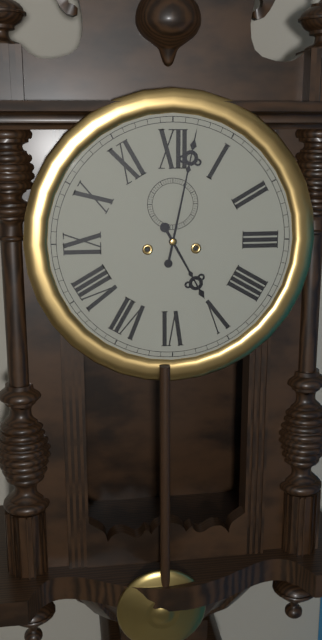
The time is 5:02
